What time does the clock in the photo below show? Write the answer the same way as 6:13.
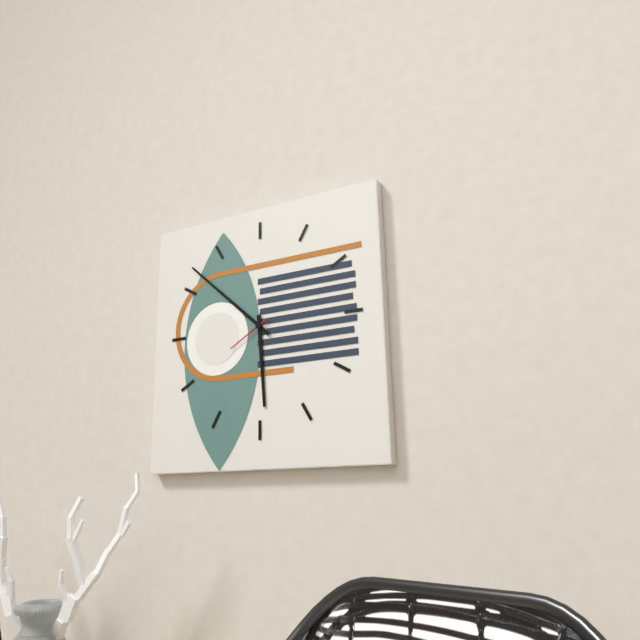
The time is 5:52
